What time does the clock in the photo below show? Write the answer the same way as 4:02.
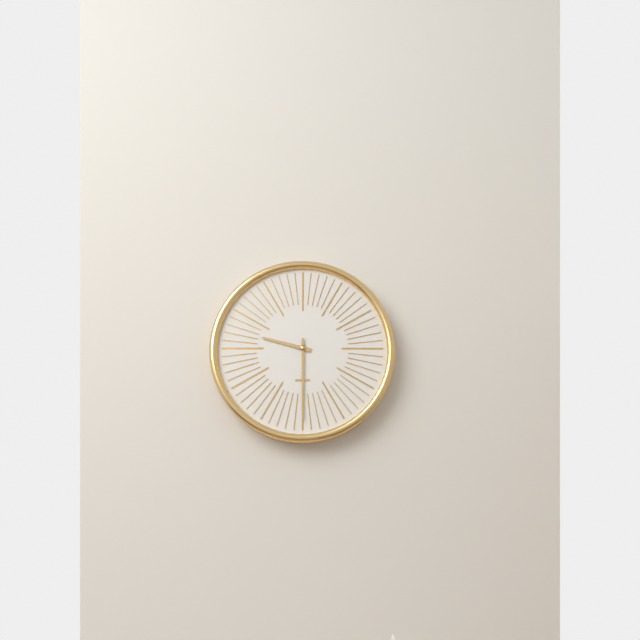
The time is 9:30
